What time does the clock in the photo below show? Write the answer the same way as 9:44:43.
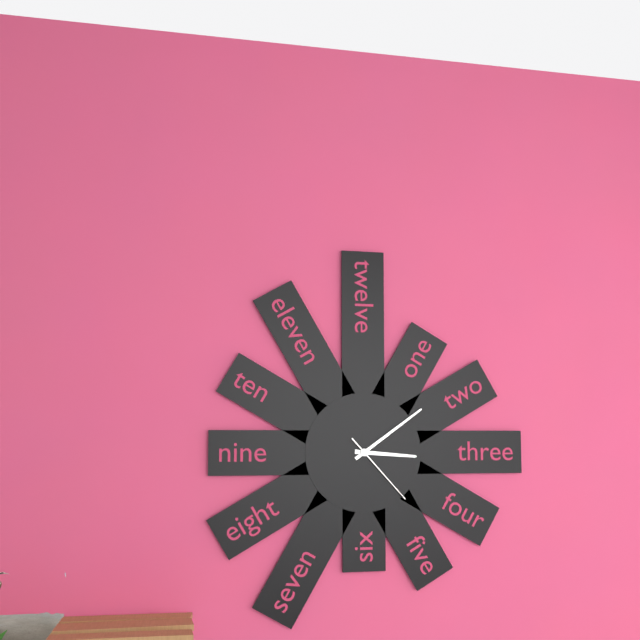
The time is 3:09:23
